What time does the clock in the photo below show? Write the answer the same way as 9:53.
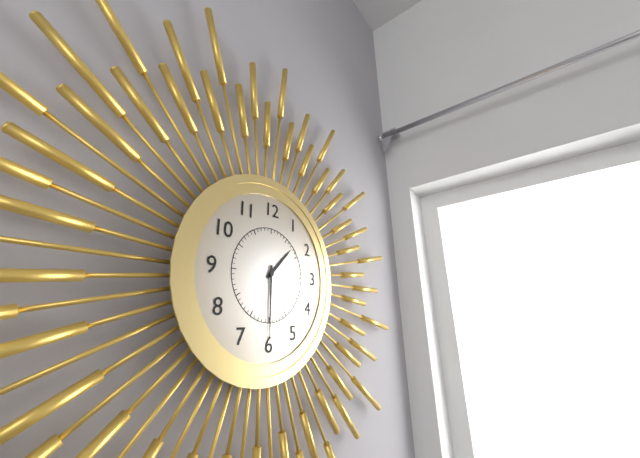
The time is 1:30
